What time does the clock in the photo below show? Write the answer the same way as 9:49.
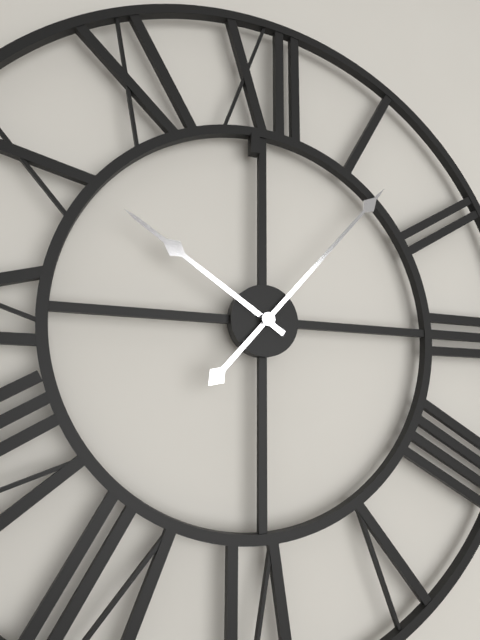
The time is 10:07
